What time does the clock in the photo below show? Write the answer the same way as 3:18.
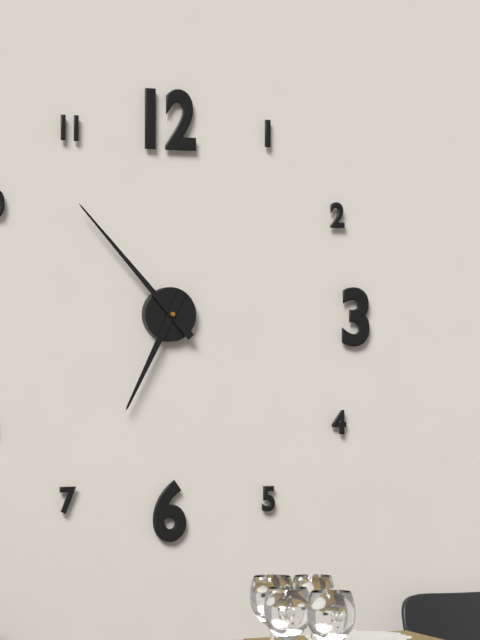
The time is 6:53
